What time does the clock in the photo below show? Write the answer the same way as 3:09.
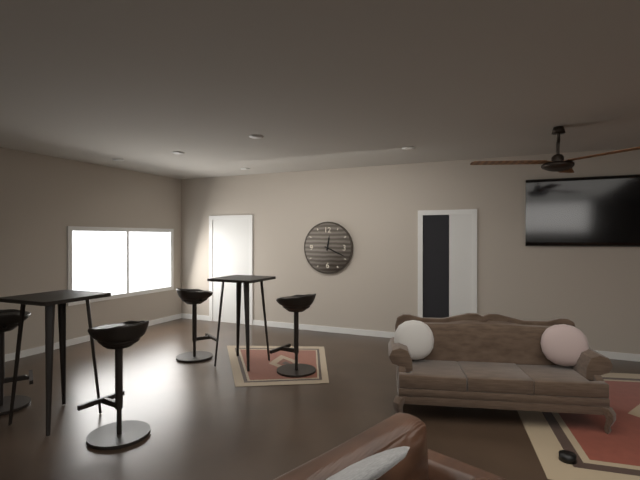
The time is 12:19
